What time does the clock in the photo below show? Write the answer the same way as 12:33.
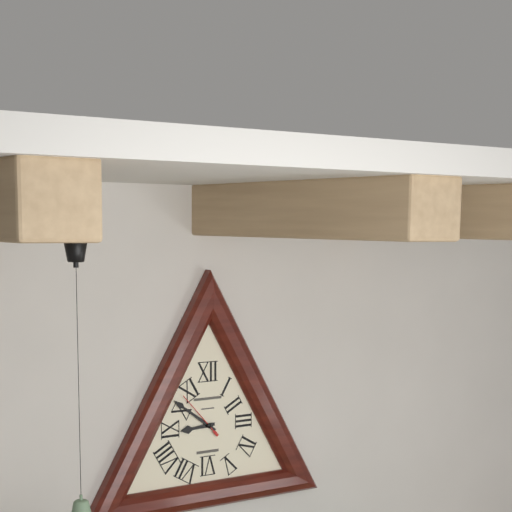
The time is 8:51
